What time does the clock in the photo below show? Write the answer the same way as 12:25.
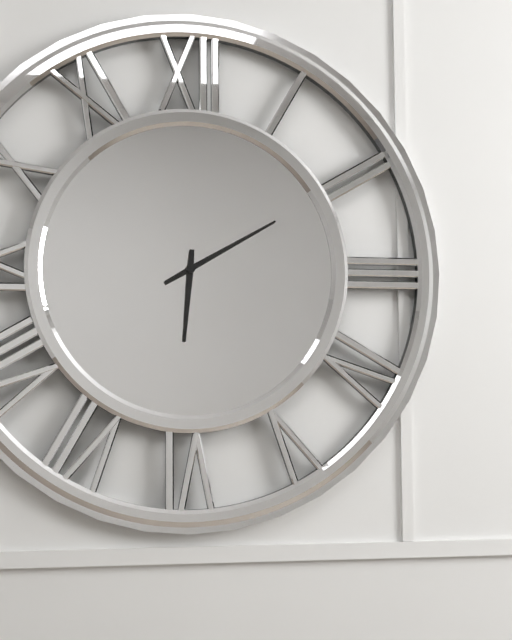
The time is 6:10
